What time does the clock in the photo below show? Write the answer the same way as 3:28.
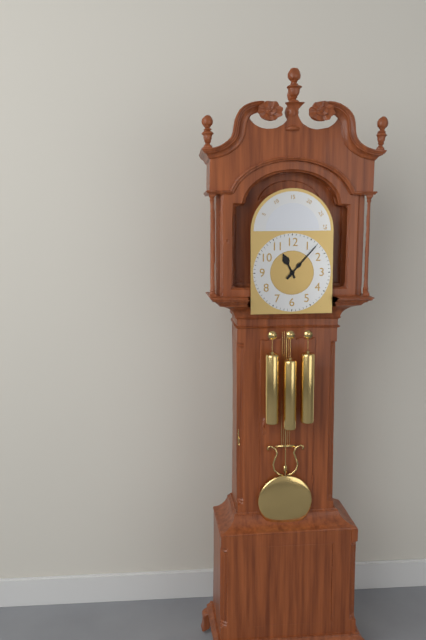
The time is 11:07
